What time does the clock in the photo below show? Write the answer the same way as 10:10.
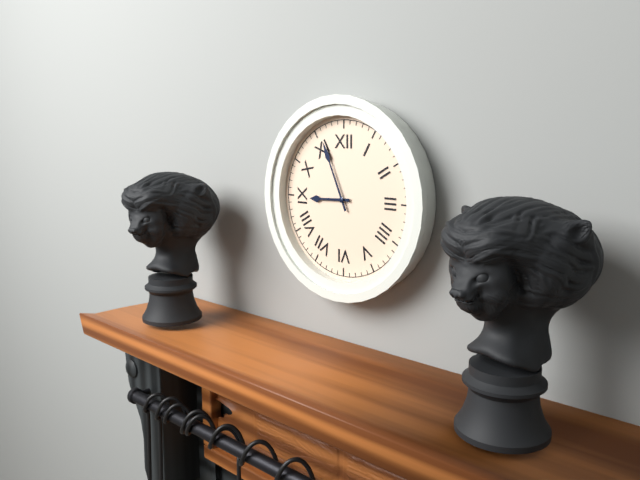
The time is 8:56
